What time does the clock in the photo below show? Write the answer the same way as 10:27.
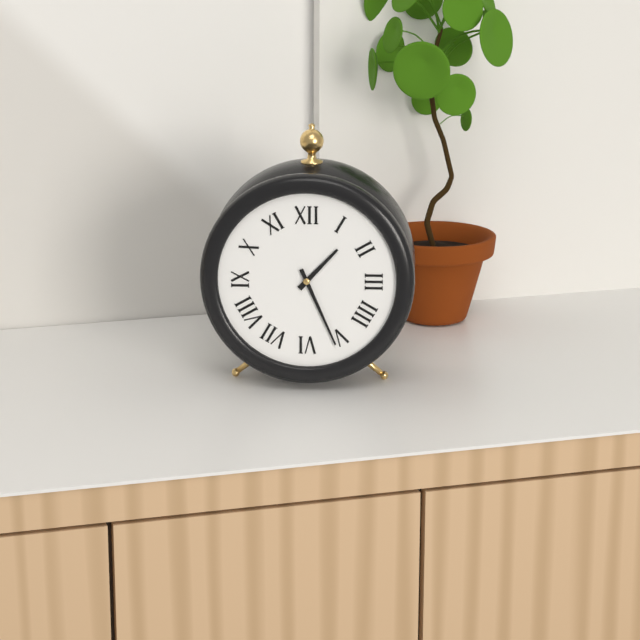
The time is 1:26
